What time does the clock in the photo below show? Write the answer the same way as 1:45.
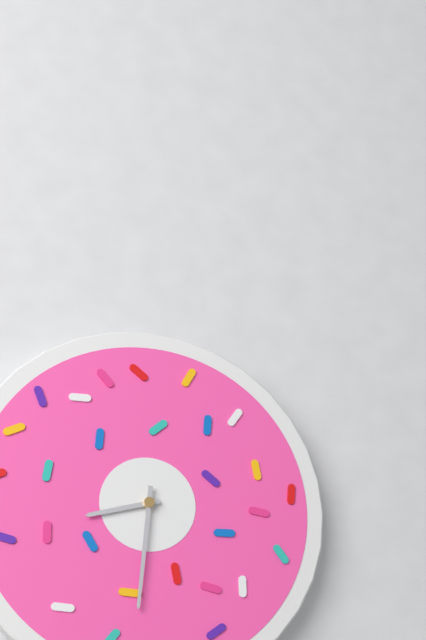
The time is 8:31
